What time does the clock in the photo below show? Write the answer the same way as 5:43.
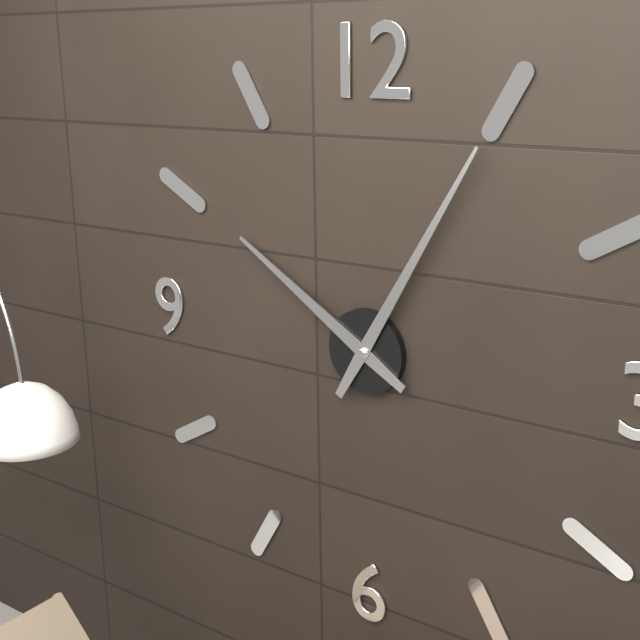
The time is 10:05
